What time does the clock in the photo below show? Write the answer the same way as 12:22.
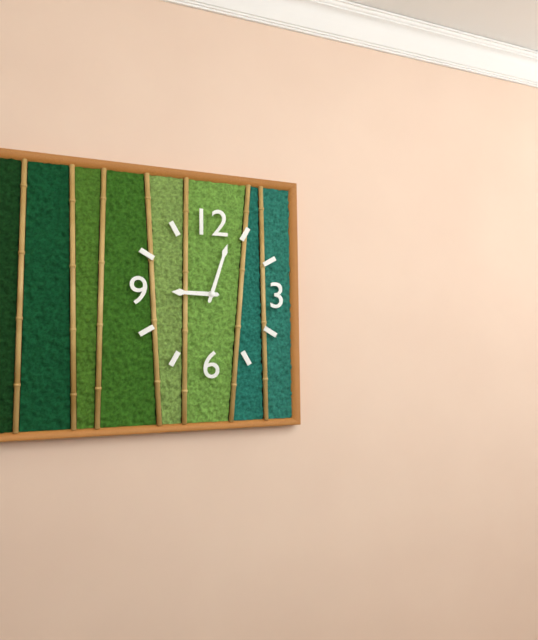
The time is 9:03
